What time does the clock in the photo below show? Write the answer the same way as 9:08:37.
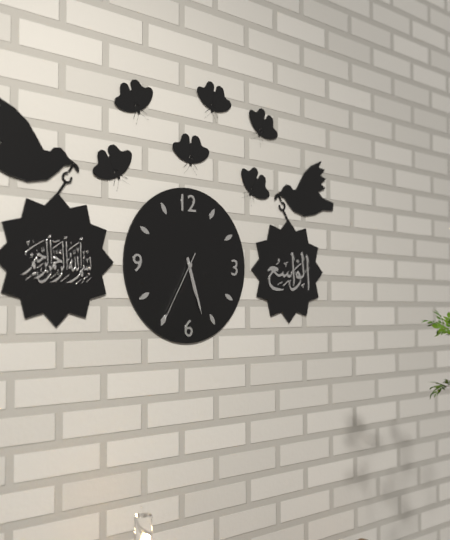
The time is 5:27:35
